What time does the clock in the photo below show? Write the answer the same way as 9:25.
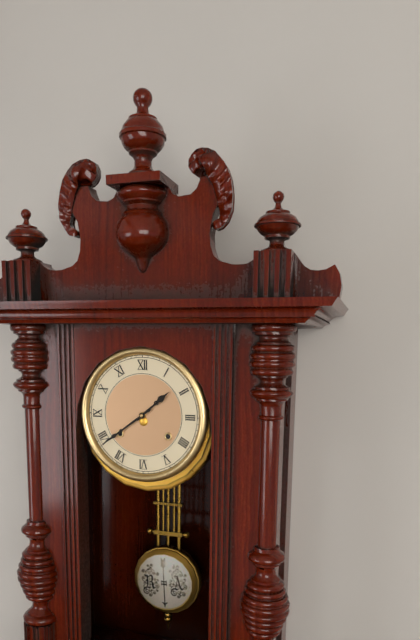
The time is 1:39
